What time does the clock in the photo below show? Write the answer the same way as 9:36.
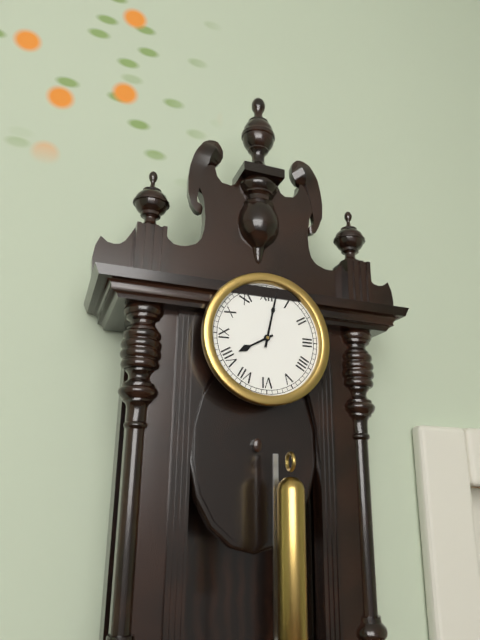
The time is 8:02
